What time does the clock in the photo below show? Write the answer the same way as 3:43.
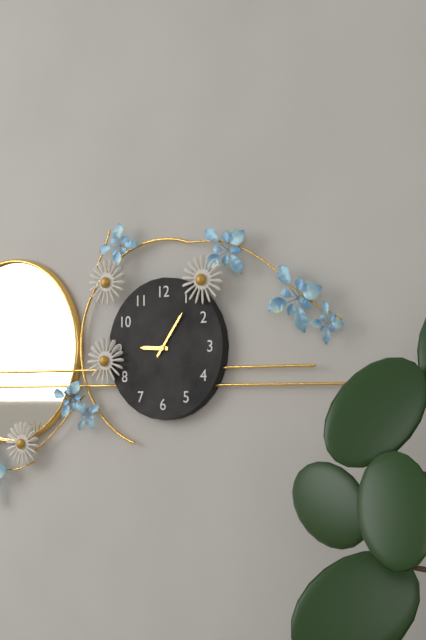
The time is 9:06
